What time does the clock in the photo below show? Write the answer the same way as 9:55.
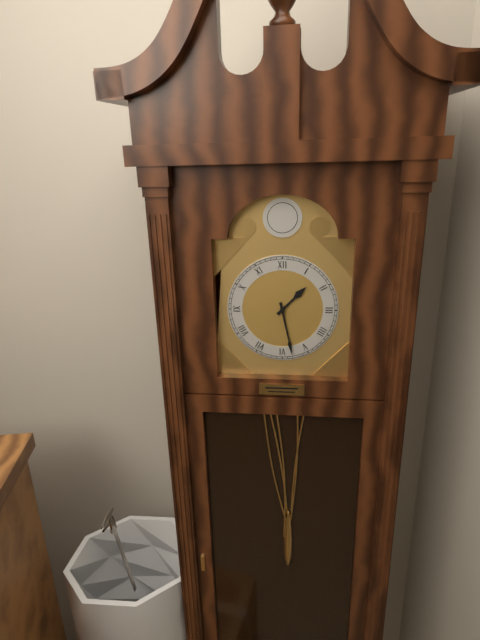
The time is 1:28
